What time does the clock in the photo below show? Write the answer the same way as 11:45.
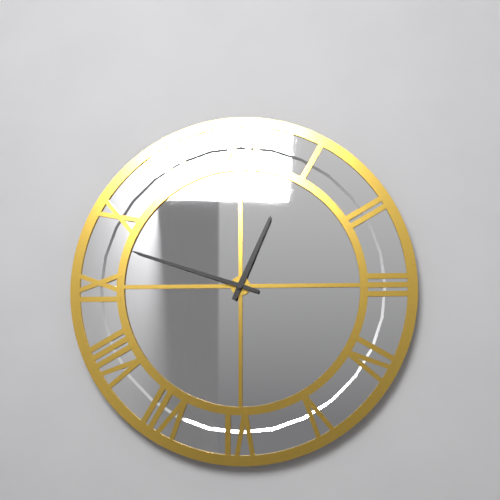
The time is 12:48
